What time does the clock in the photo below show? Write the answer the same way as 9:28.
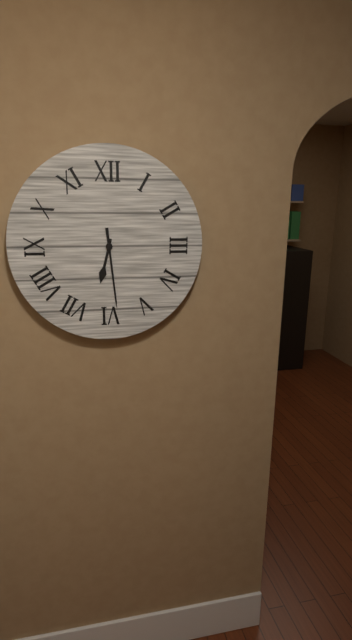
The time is 6:29
